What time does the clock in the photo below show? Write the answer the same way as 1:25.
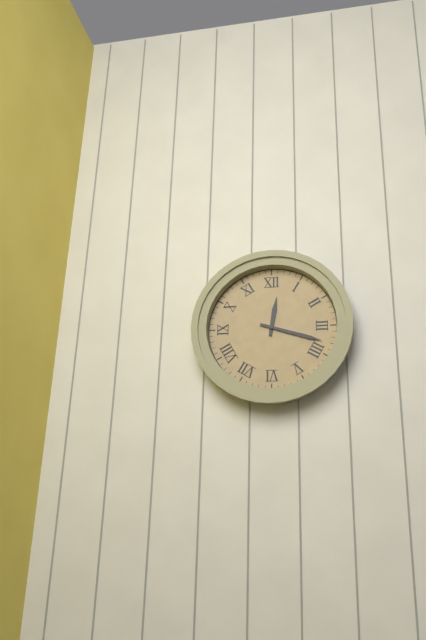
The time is 12:18
